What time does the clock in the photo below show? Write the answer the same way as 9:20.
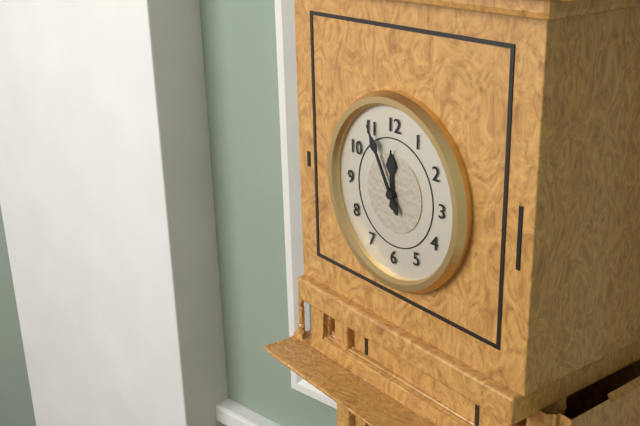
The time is 11:55
